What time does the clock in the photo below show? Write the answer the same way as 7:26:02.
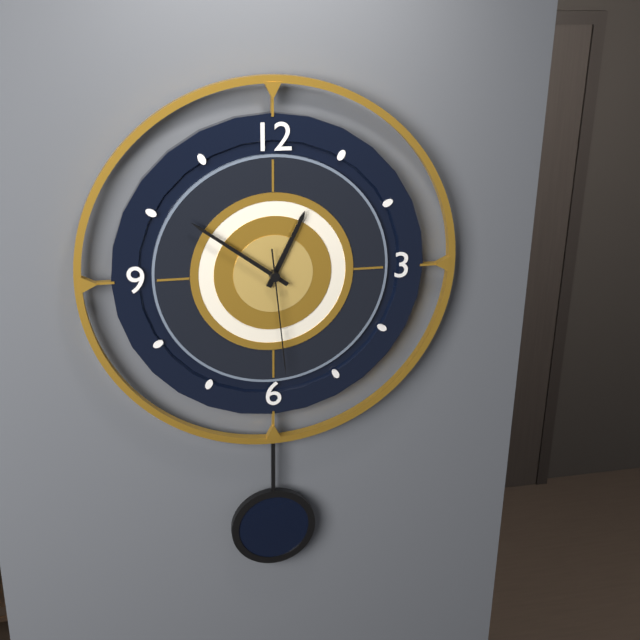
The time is 12:51:29
